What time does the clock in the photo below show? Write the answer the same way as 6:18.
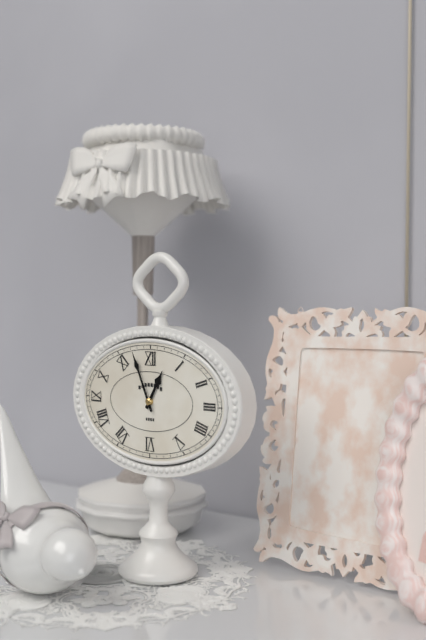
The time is 12:56
